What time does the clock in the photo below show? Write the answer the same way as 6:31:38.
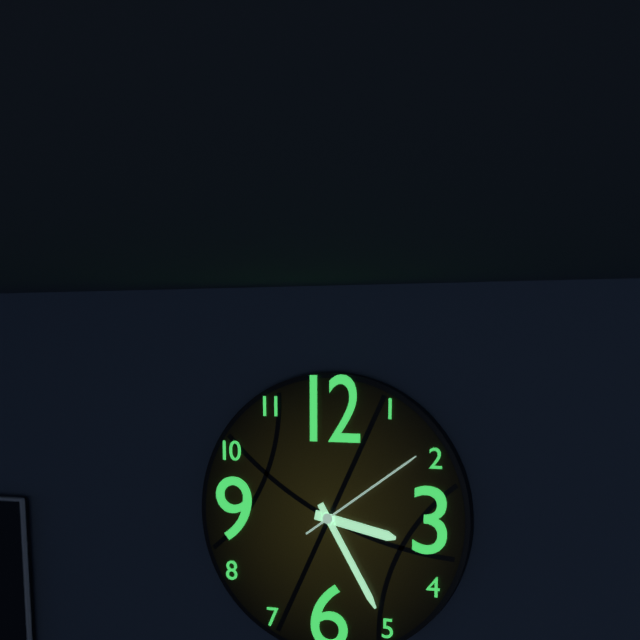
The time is 3:25:09
